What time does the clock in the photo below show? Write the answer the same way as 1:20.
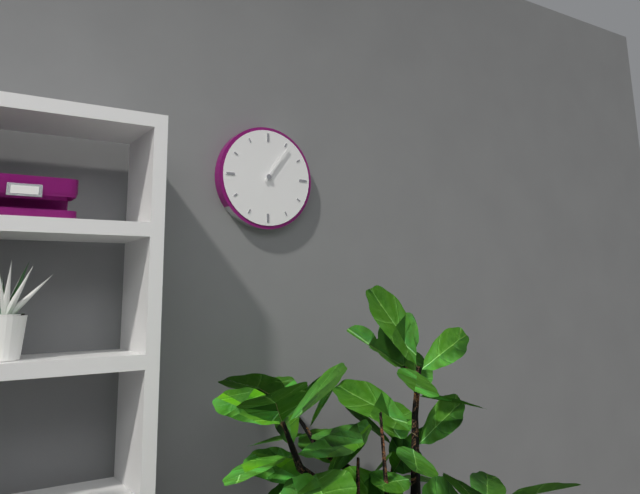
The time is 1:06
